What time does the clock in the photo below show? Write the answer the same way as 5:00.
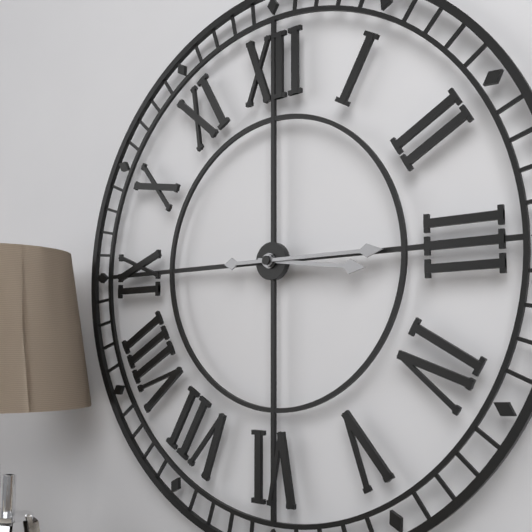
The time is 3:15
